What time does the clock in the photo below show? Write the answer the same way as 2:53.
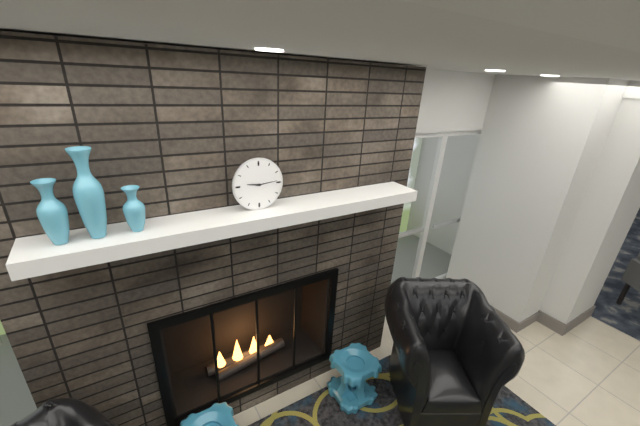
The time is 9:14
